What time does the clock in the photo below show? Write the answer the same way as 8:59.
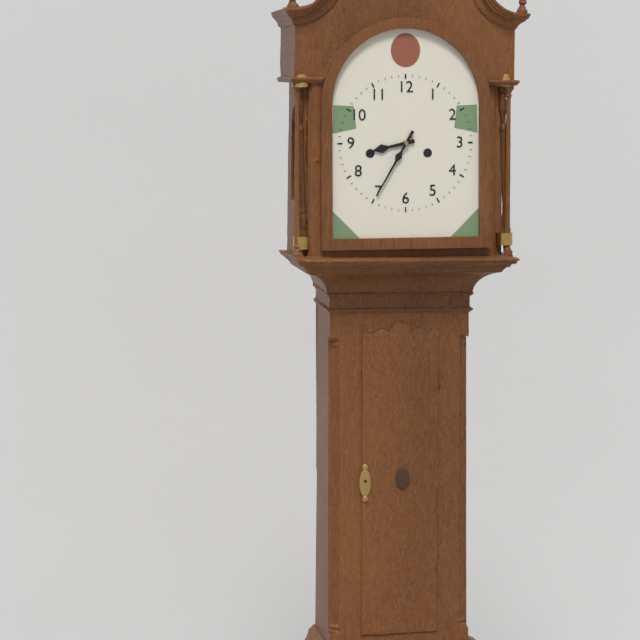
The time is 8:35
